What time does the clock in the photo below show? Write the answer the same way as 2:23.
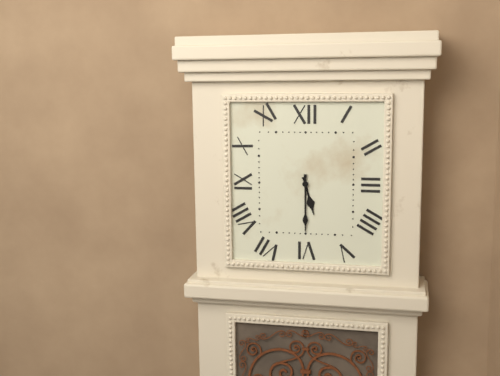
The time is 5:30
